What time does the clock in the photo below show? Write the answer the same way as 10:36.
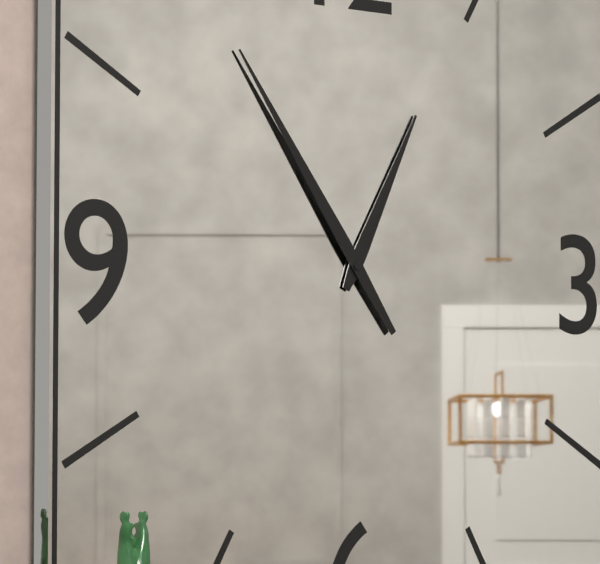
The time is 12:54
